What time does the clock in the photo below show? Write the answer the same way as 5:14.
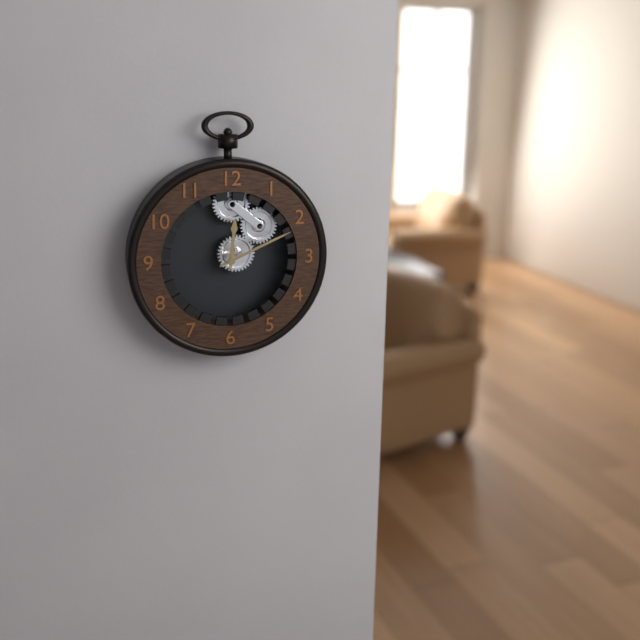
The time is 12:11
